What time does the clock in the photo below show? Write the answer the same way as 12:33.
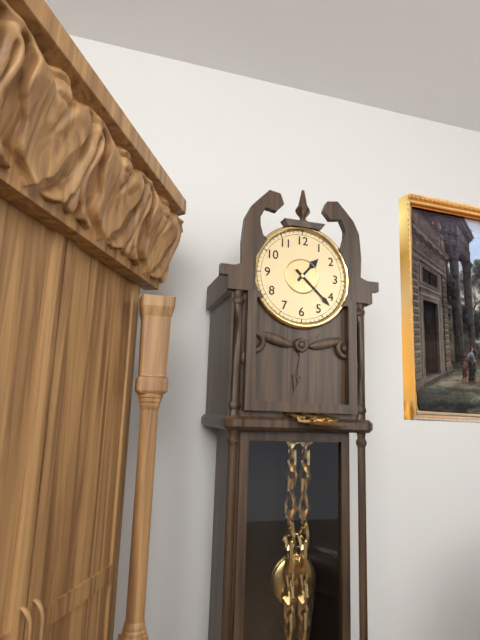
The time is 1:22
